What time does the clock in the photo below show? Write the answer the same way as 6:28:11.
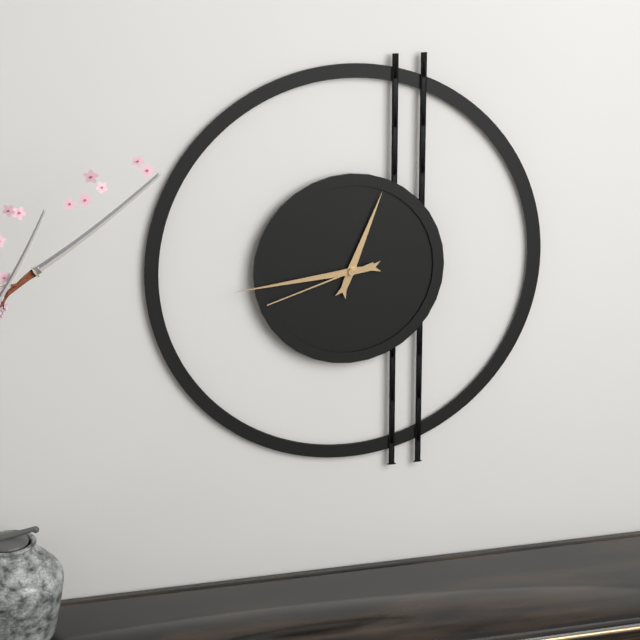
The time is 12:44:42
